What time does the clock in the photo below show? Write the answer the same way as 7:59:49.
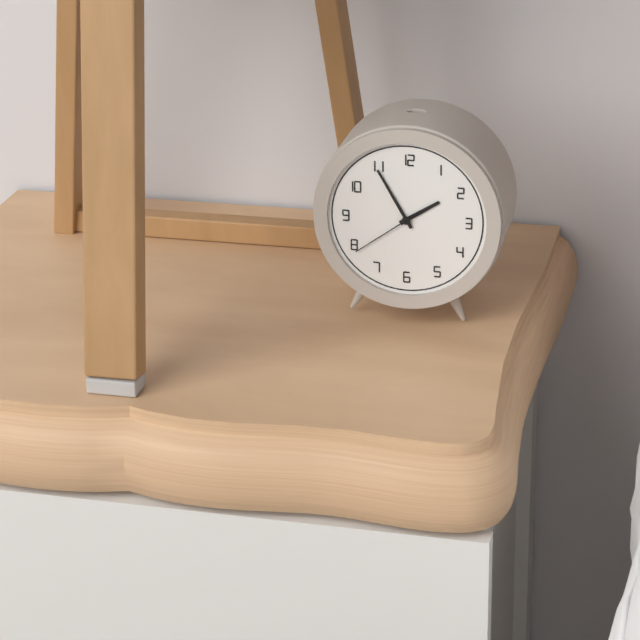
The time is 1:55:39
